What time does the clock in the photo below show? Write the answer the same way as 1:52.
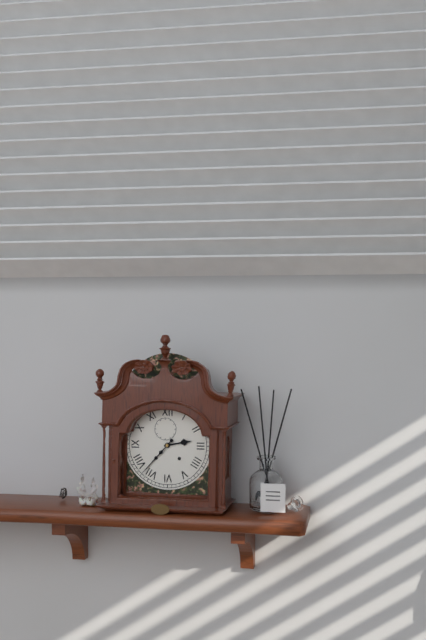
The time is 2:37
